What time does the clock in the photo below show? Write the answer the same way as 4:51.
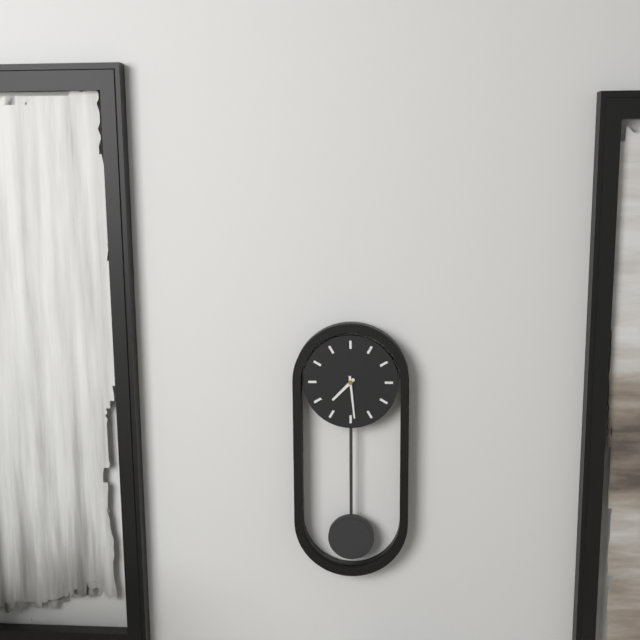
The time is 7:29
